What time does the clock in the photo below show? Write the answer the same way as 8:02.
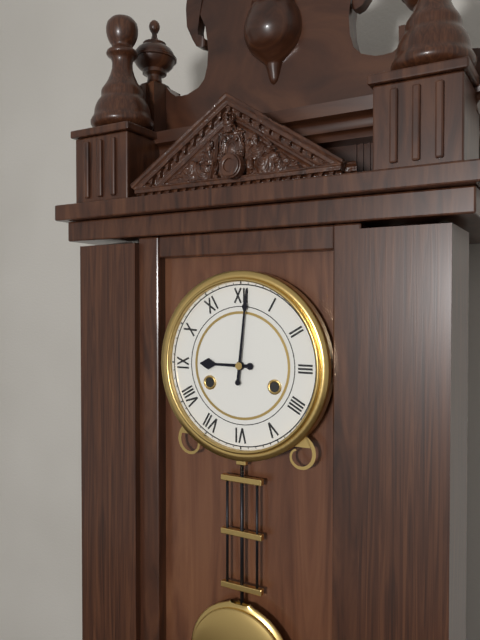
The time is 9:01
